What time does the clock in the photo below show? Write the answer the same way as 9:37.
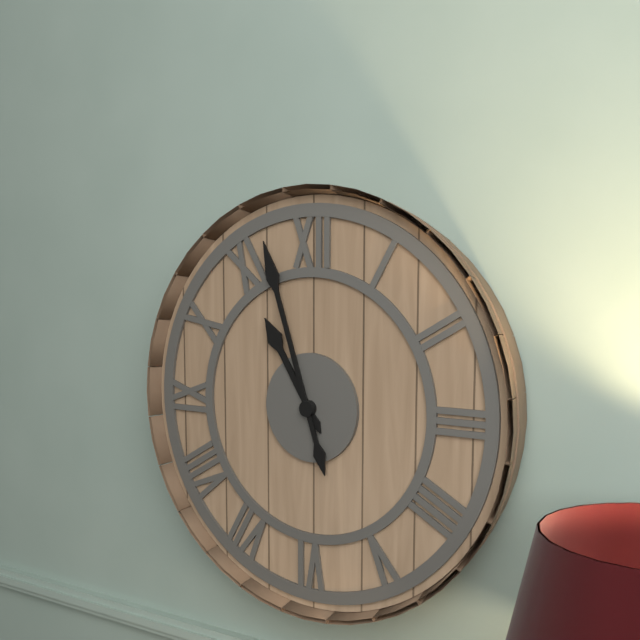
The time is 10:57
